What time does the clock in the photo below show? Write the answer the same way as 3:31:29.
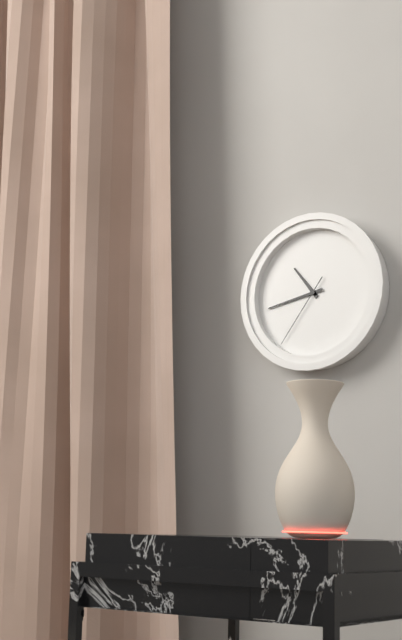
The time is 10:43:36
